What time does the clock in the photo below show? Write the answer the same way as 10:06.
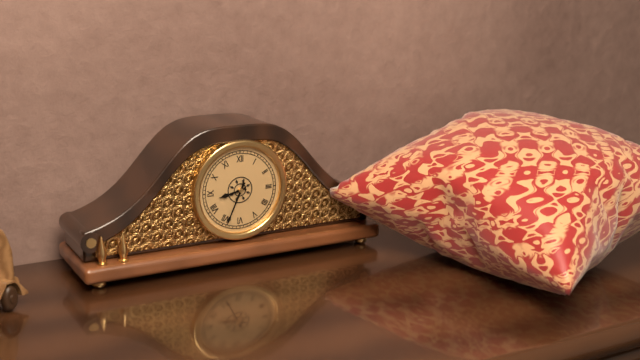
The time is 8:34
